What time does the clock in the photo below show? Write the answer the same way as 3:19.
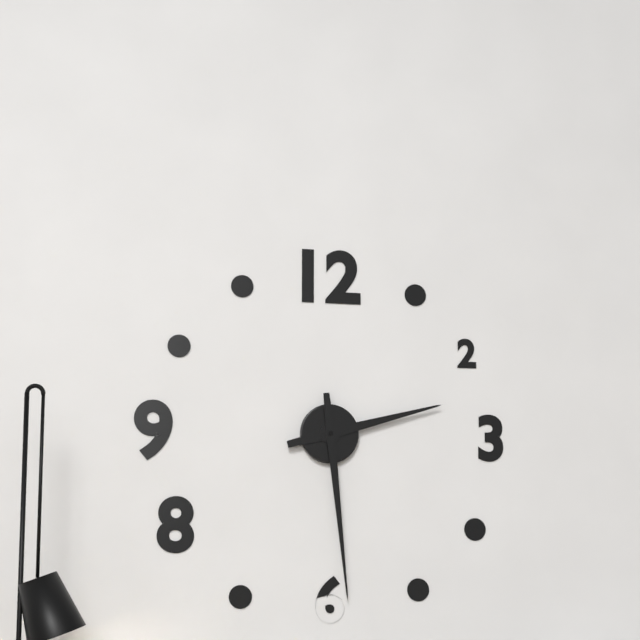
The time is 2:29
